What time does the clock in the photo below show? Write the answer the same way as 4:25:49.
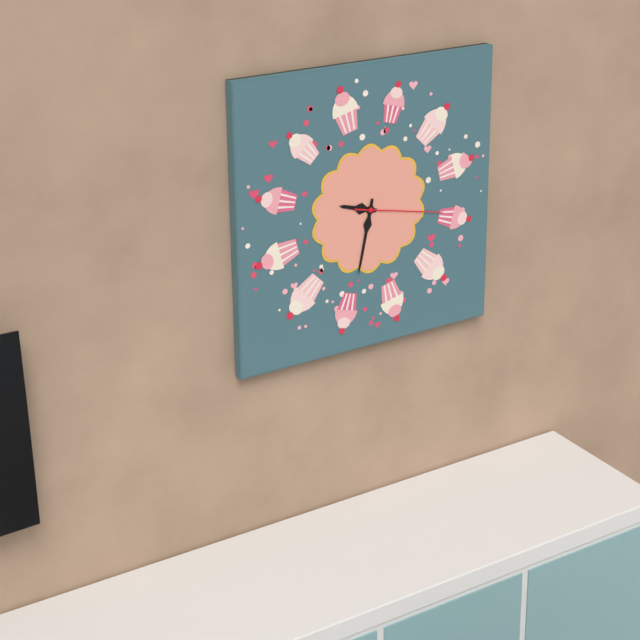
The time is 9:32:17
